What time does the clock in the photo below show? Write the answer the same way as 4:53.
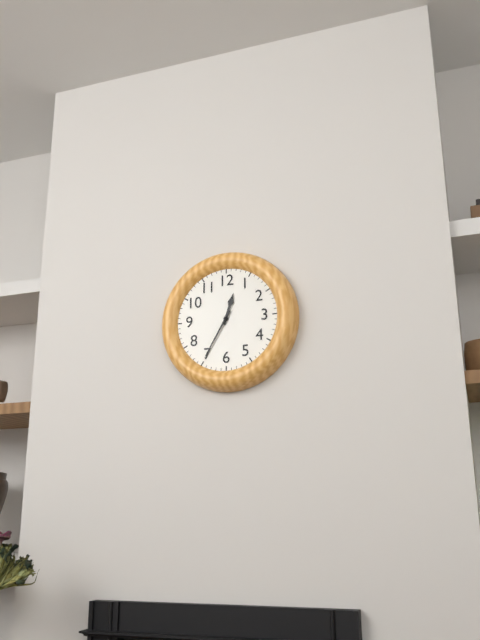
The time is 12:35
